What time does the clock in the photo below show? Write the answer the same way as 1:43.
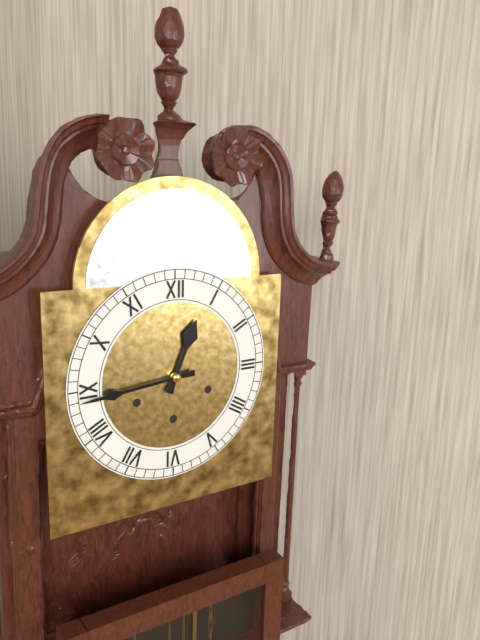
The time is 12:44
